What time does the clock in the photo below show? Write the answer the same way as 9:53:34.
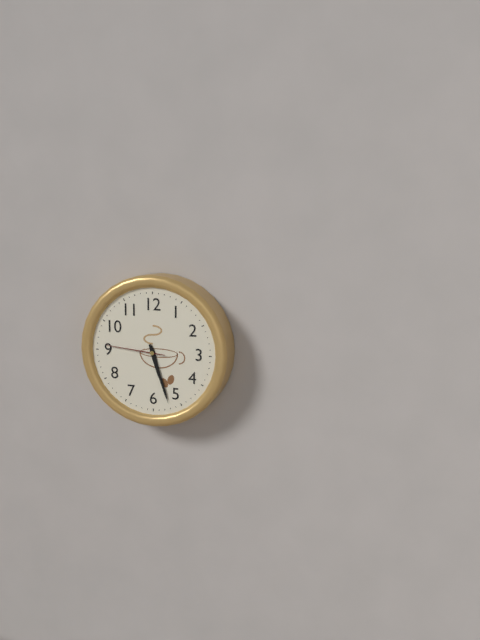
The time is 5:27:46
